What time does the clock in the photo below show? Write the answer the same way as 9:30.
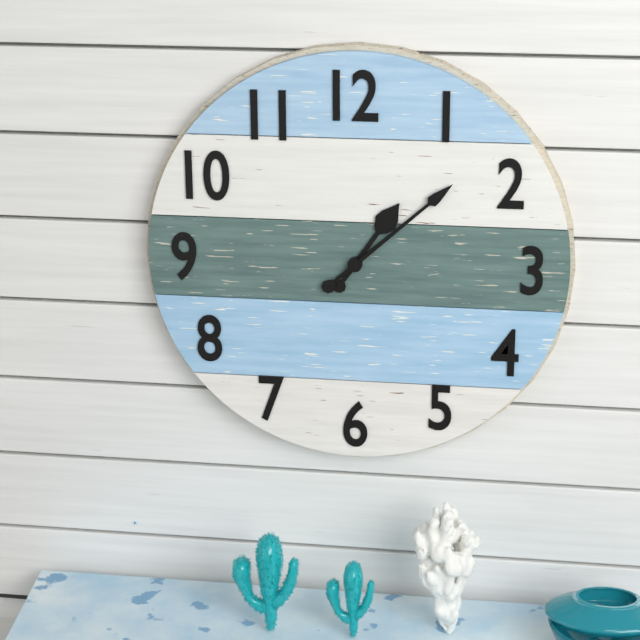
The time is 1:08
